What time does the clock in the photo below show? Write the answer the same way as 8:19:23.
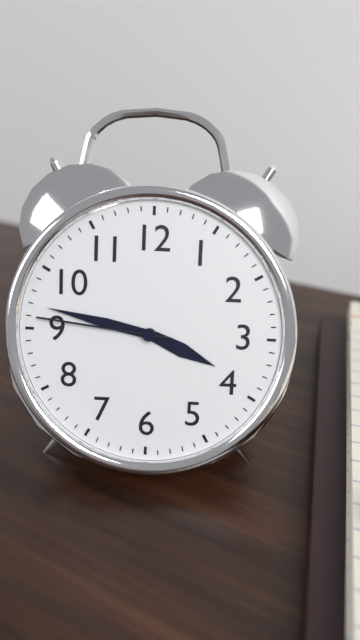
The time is 3:47:46
